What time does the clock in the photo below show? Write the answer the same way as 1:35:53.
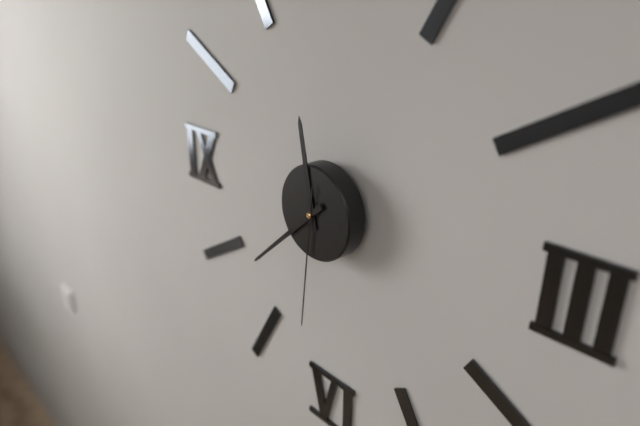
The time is 11:38:31
